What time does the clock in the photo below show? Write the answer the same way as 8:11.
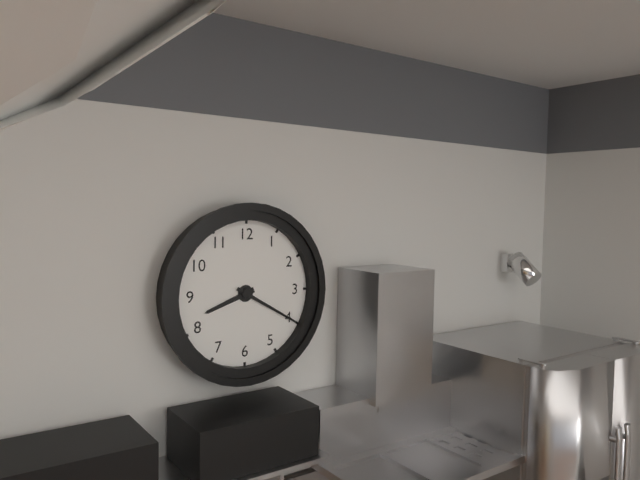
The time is 8:20
